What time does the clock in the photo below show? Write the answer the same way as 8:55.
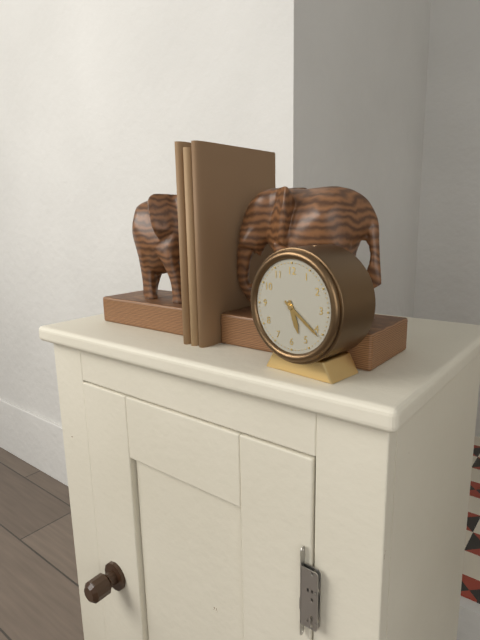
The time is 5:21
